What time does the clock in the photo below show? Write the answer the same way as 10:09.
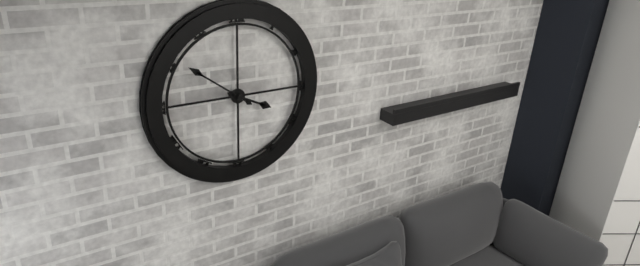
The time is 3:51
